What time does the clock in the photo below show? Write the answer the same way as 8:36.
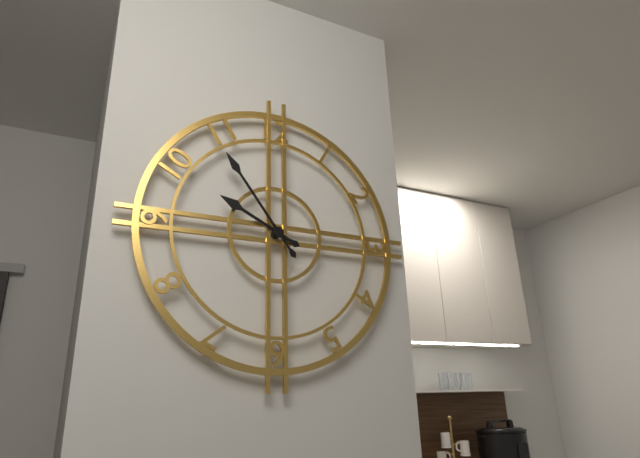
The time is 9:54
